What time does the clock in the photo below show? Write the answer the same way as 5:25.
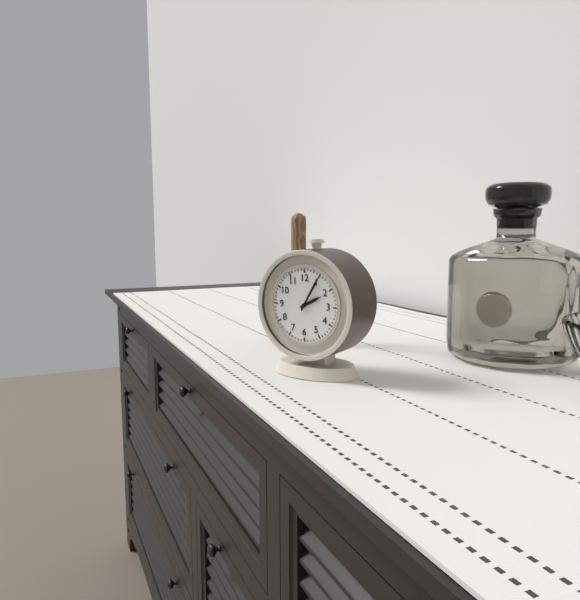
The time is 2:05
